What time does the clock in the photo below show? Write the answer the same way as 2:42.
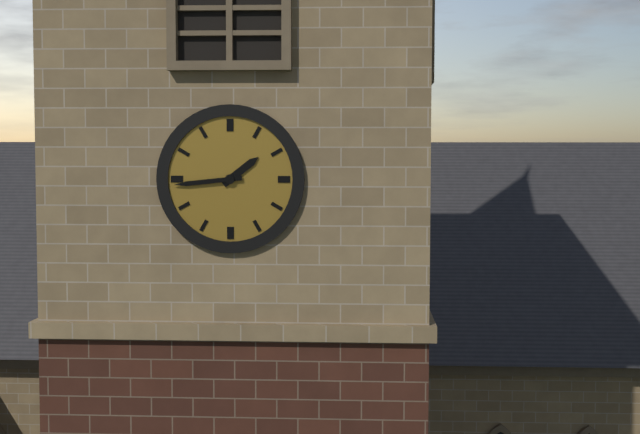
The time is 1:44
